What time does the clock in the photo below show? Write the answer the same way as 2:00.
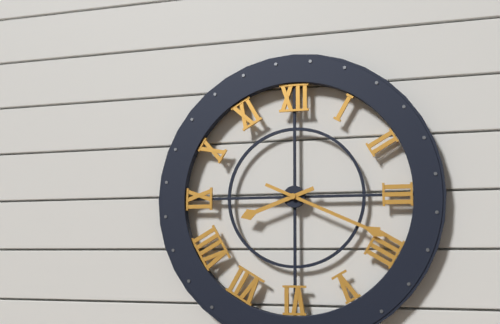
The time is 8:19
